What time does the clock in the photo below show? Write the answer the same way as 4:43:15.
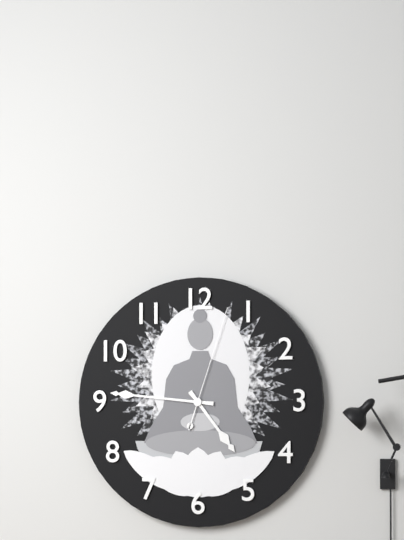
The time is 4:46:03
